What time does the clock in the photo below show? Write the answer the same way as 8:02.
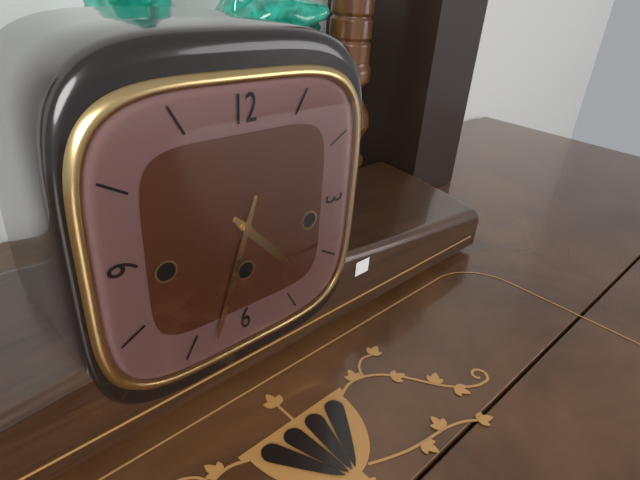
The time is 4:33
